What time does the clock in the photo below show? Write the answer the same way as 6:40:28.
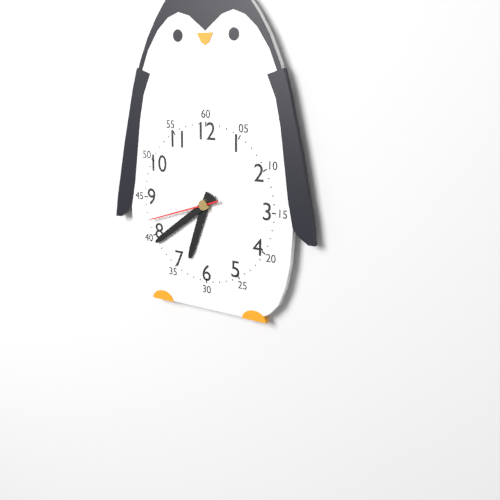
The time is 6:39:42
